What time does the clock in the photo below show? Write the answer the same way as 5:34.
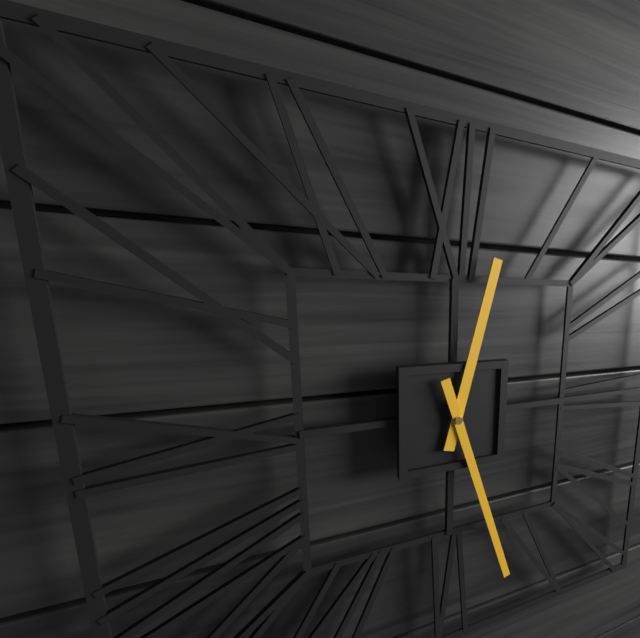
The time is 12:27
